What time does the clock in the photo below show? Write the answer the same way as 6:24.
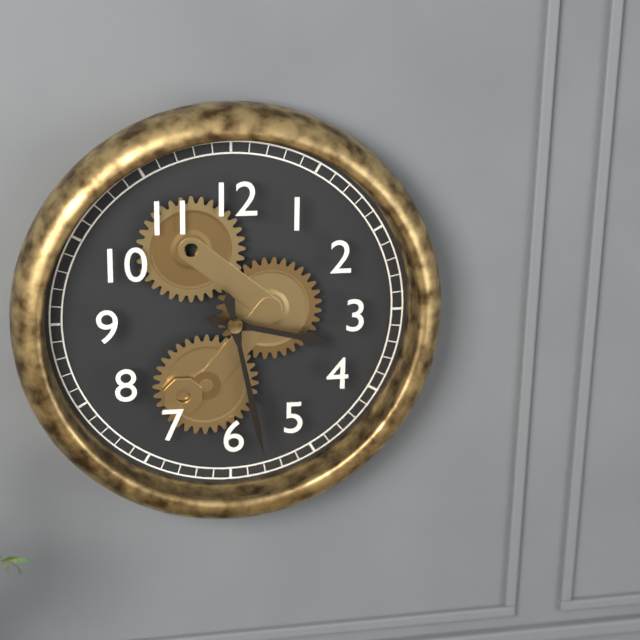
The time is 3:28
